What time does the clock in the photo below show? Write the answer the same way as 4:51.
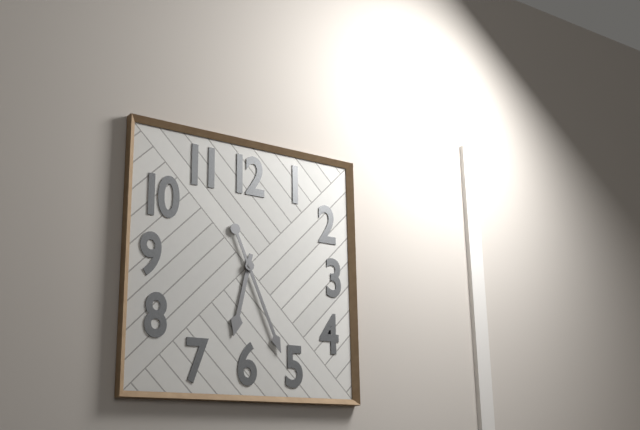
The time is 6:26
